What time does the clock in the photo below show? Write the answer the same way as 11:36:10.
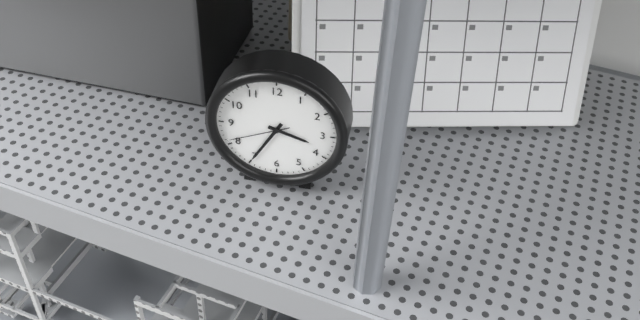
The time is 3:35:41
